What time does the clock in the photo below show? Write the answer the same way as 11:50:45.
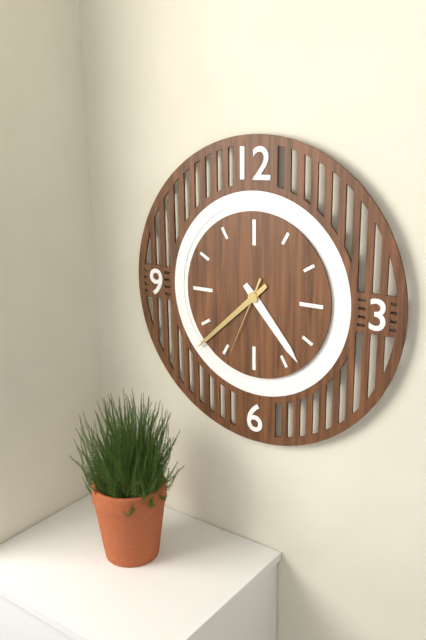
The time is 4:38:34
